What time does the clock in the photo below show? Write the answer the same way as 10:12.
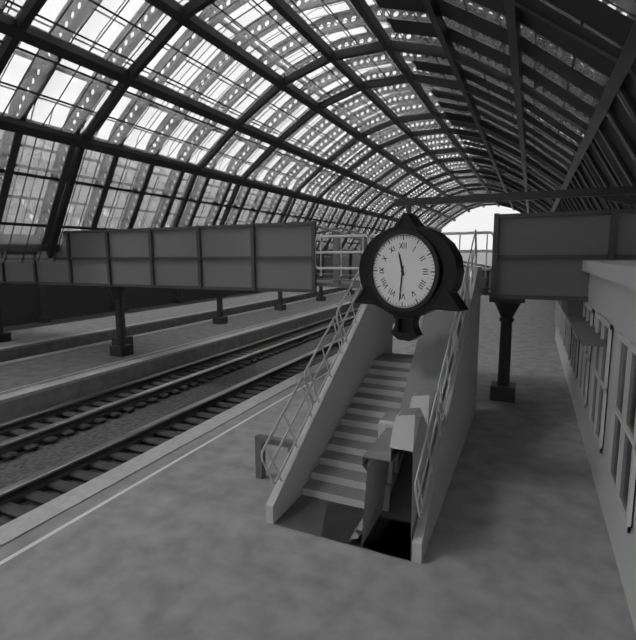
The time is 11:31
